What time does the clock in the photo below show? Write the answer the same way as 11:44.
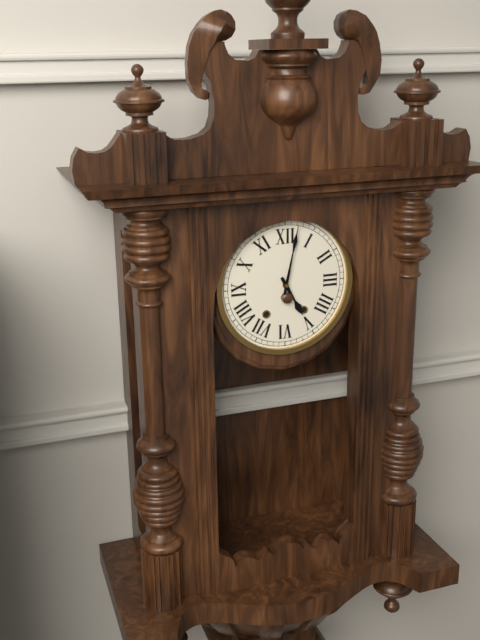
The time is 5:02
